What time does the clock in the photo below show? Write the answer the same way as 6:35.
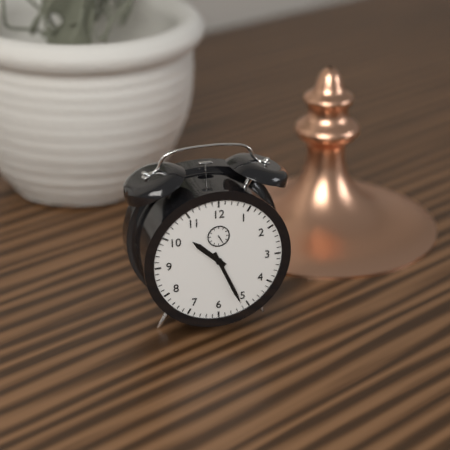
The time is 10:26
